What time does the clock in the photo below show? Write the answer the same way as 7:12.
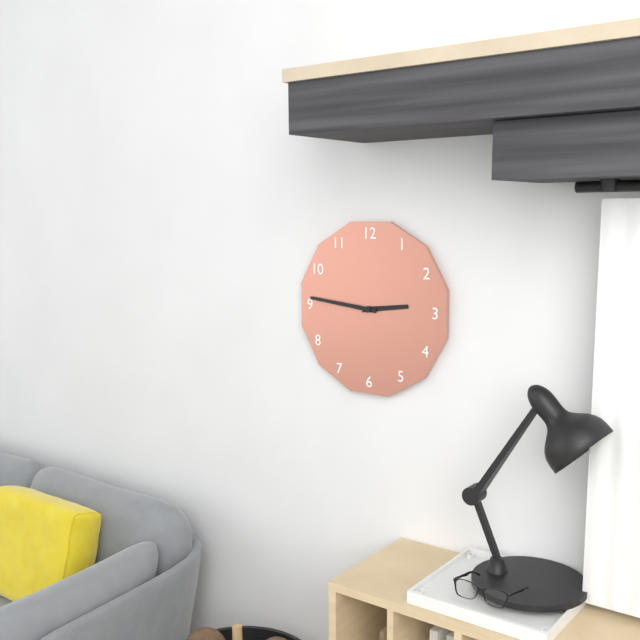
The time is 2:46
